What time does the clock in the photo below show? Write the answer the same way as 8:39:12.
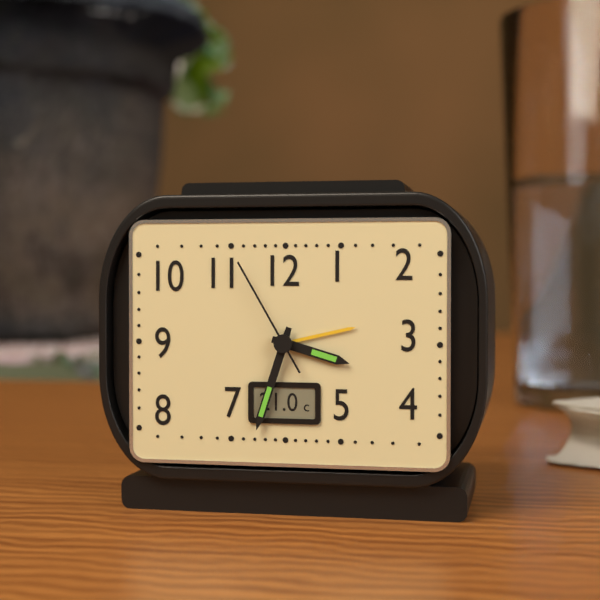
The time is 3:33:55
